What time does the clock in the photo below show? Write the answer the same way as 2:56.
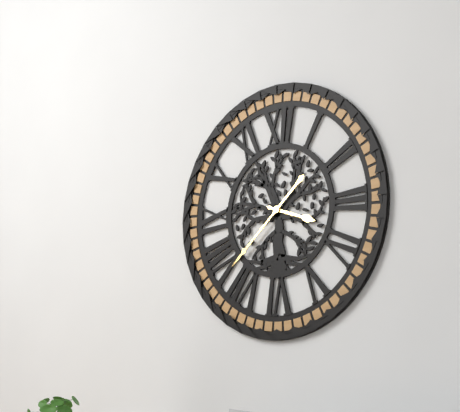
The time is 3:38
